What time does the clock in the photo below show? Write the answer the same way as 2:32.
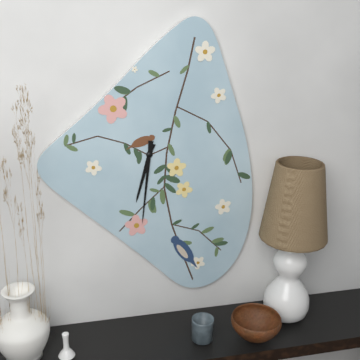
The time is 6:31
